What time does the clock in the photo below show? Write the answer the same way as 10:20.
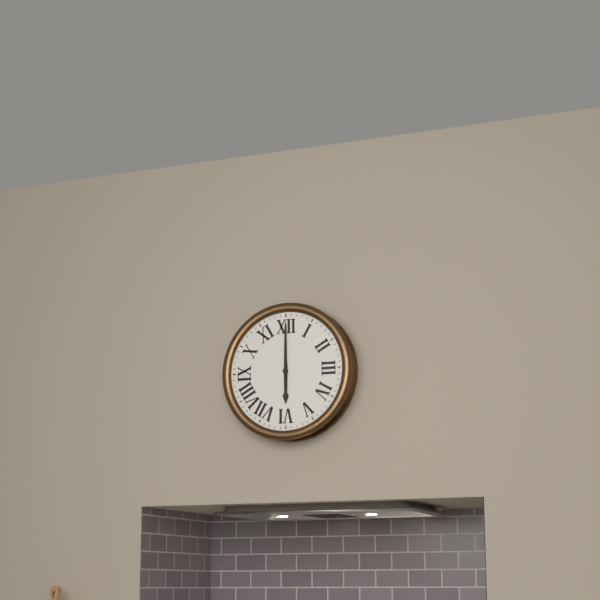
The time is 6:00
